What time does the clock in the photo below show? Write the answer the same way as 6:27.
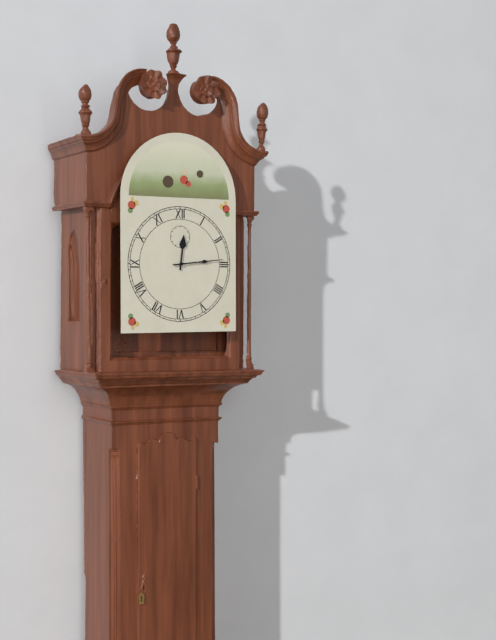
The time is 12:14
